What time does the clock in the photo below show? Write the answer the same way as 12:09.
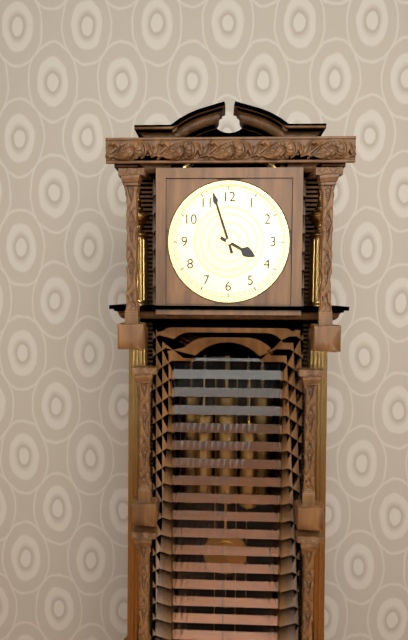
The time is 3:57
